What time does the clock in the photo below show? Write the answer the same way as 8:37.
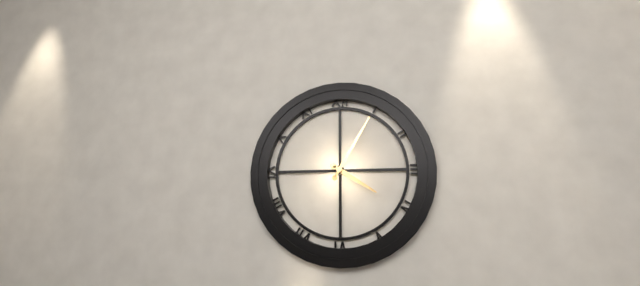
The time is 4:05
